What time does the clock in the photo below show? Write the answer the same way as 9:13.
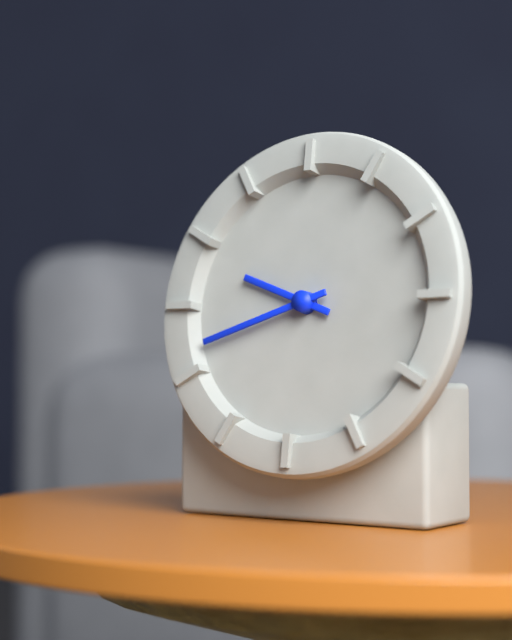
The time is 9:42
